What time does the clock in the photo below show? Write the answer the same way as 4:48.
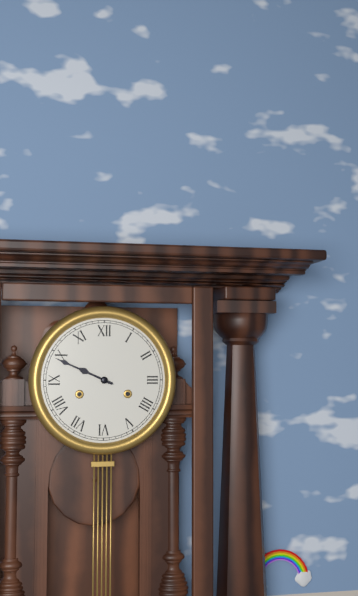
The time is 9:49
